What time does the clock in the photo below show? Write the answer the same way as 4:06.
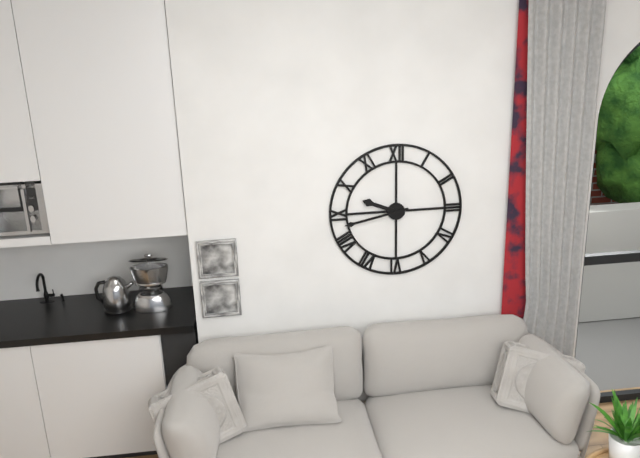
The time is 9:43
